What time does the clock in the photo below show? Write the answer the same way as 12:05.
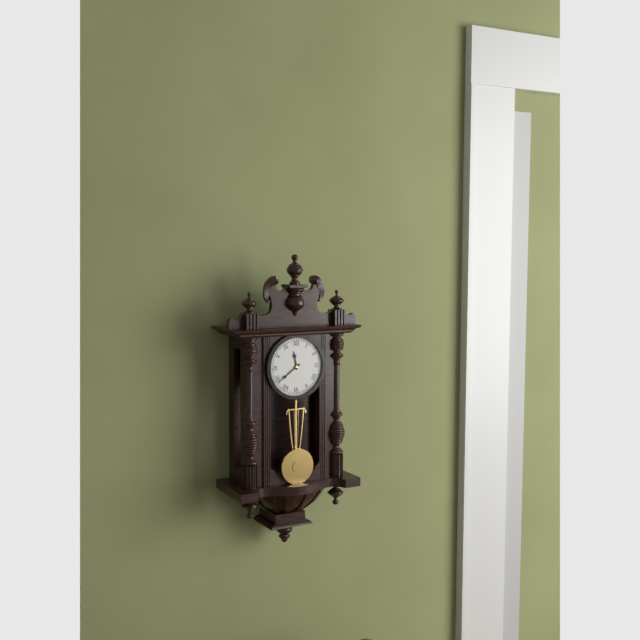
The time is 11:39
